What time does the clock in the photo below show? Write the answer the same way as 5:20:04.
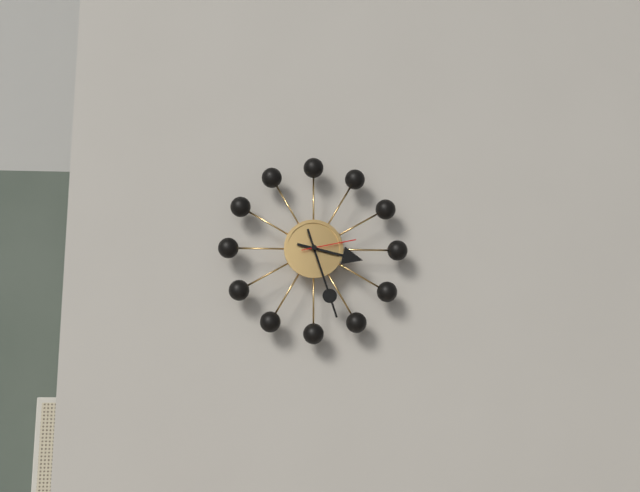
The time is 3:27:13
